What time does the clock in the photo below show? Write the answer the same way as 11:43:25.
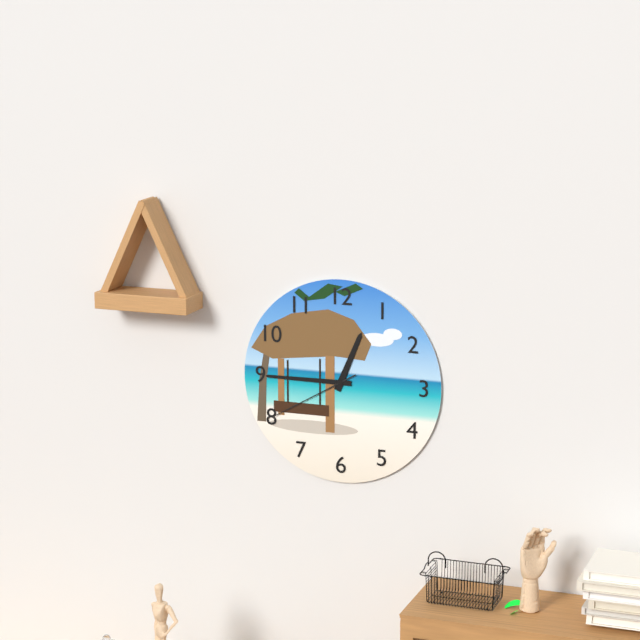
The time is 12:45:40
